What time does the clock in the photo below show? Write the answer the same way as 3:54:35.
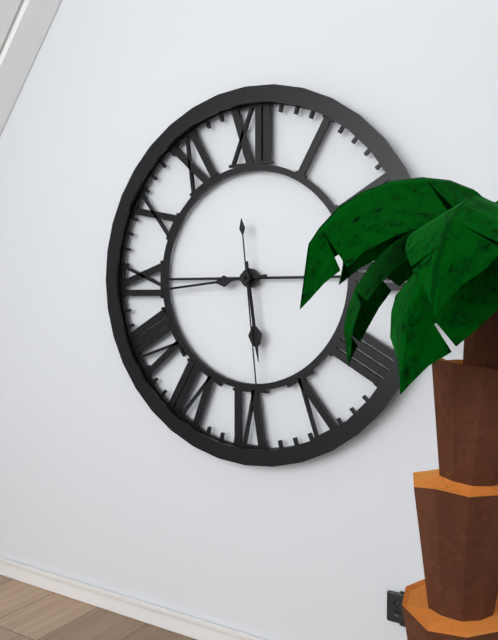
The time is 5:44:29
